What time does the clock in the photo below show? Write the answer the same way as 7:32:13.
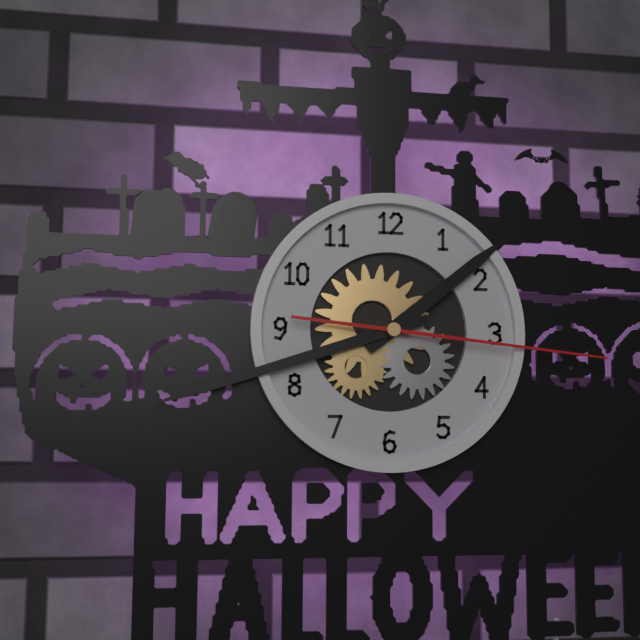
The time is 1:42:16
